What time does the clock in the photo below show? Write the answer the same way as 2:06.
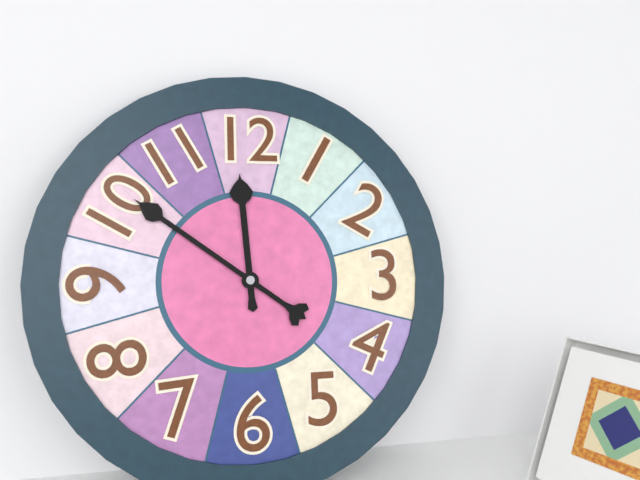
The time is 11:51
